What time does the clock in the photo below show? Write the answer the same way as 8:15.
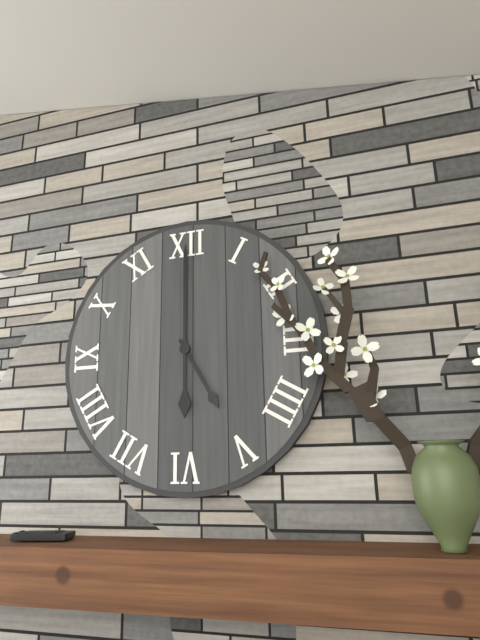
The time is 5:00
